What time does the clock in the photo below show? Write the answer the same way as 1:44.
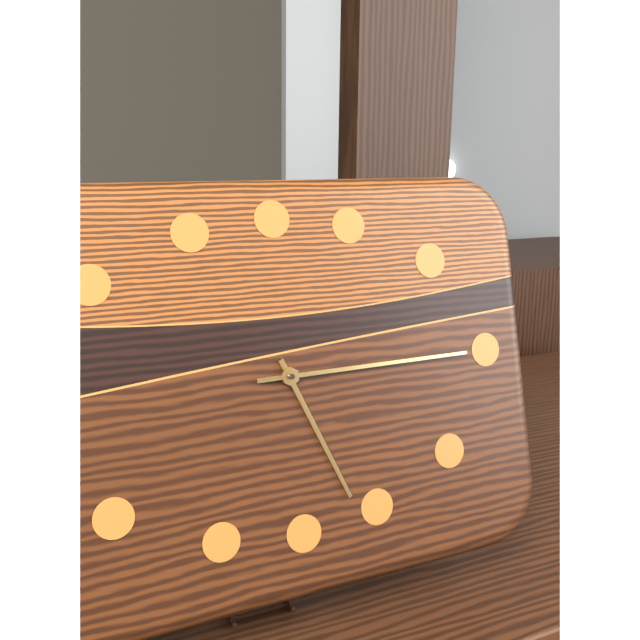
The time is 5:15
